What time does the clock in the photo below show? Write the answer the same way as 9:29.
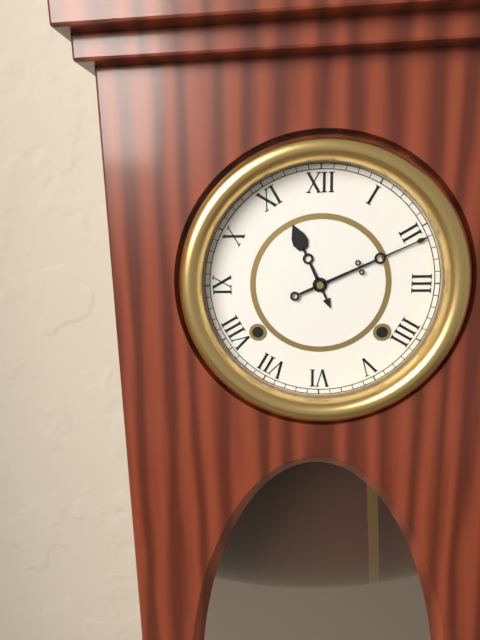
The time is 11:11
